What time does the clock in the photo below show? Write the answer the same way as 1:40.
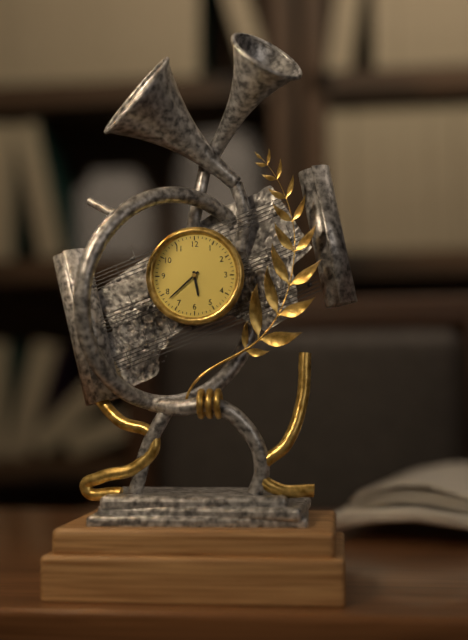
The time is 5:38
